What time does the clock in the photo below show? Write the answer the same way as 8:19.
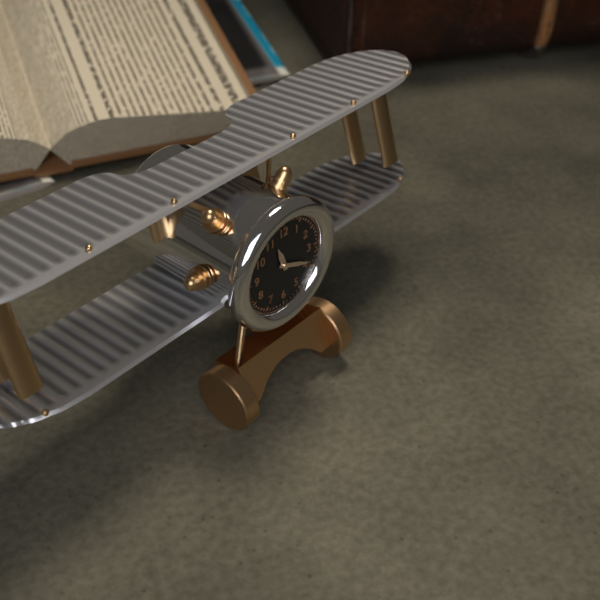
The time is 11:19
